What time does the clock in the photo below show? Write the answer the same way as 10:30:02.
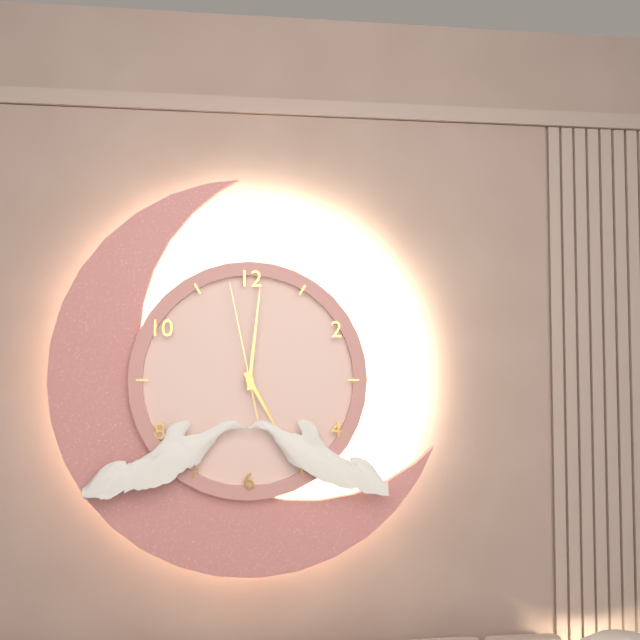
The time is 5:01:58
